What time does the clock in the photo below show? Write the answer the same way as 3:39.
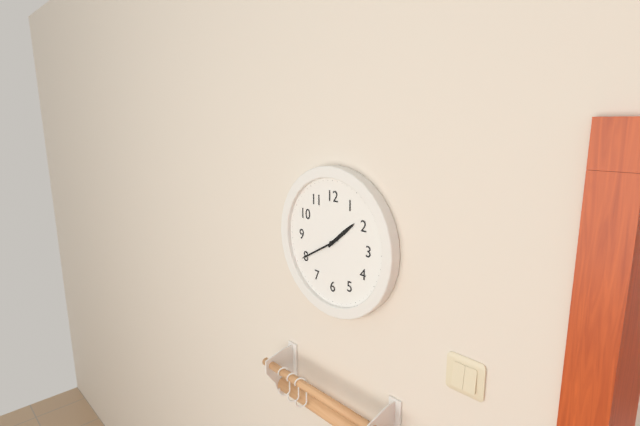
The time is 1:40
